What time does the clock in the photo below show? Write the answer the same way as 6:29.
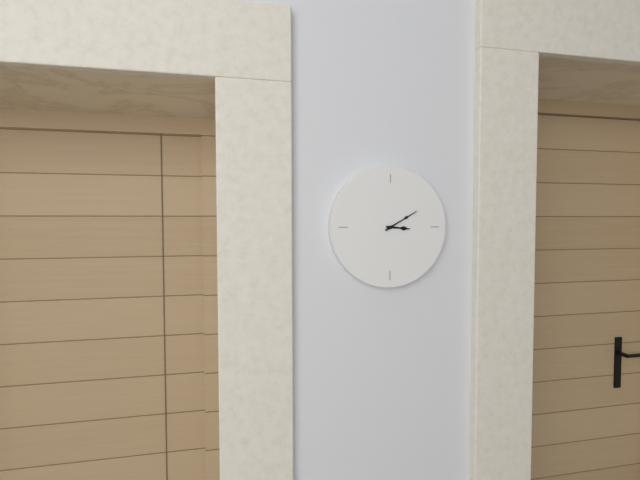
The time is 3:10
